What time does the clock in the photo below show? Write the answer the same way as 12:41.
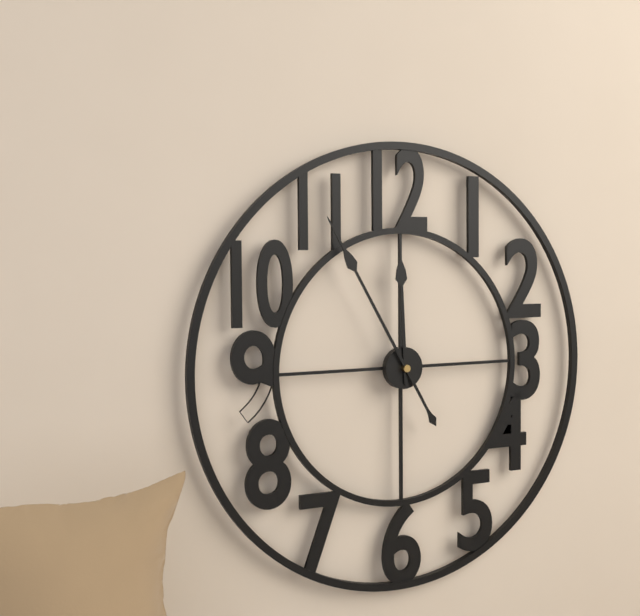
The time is 11:55
